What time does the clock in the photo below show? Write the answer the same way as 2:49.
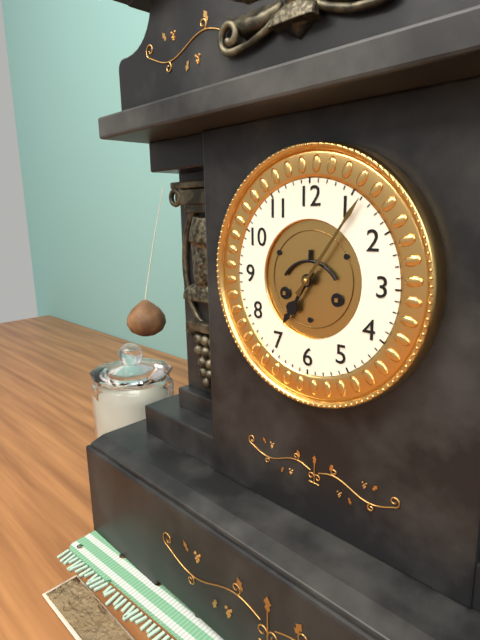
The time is 7:06
